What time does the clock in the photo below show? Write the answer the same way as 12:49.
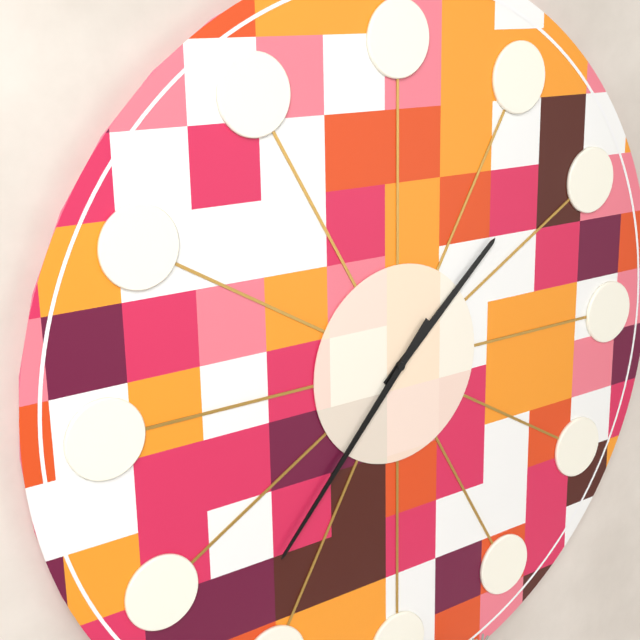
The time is 1:37
